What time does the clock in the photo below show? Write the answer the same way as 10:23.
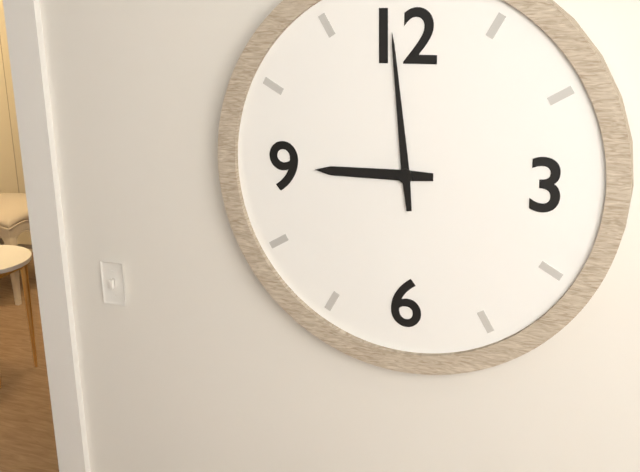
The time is 8:59
